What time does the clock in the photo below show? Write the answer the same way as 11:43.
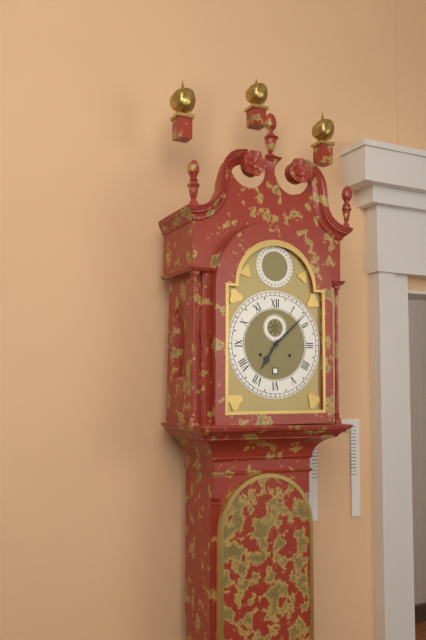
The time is 7:08
